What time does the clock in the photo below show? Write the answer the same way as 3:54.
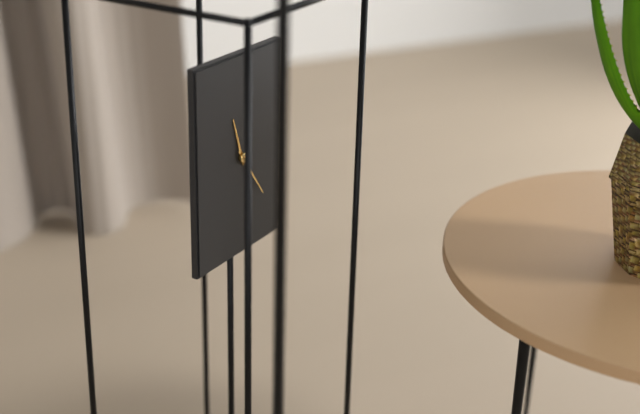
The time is 11:24
